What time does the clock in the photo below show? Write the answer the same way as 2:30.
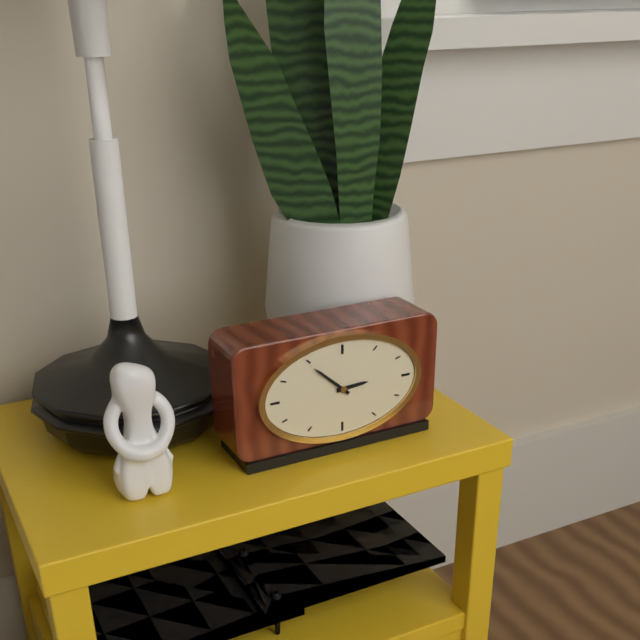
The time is 2:52
